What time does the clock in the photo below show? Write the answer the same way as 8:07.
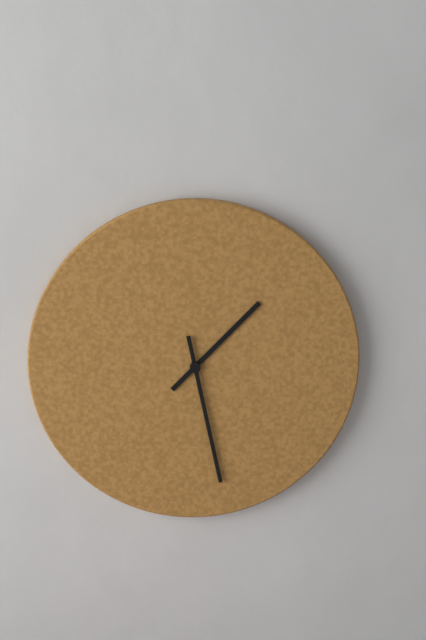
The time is 1:28
